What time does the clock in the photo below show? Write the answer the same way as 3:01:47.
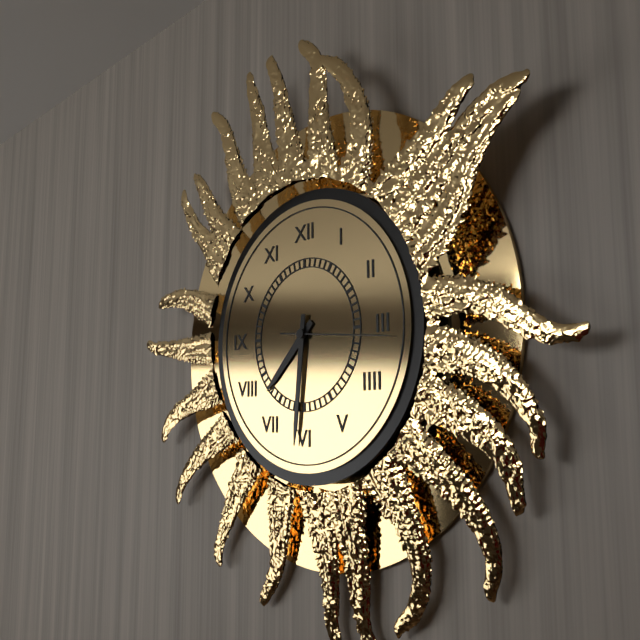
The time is 7:31:16
